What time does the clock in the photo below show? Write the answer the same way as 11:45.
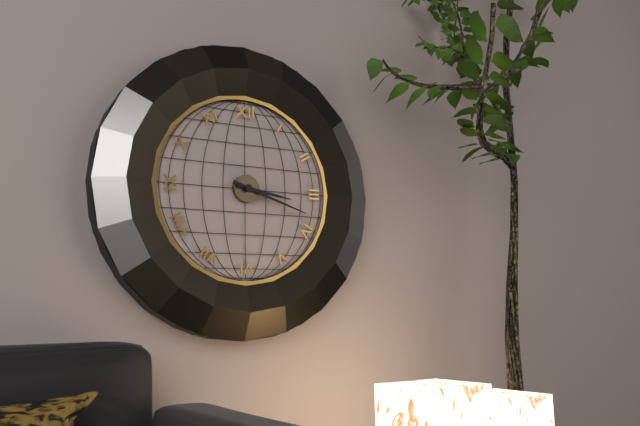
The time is 3:18
